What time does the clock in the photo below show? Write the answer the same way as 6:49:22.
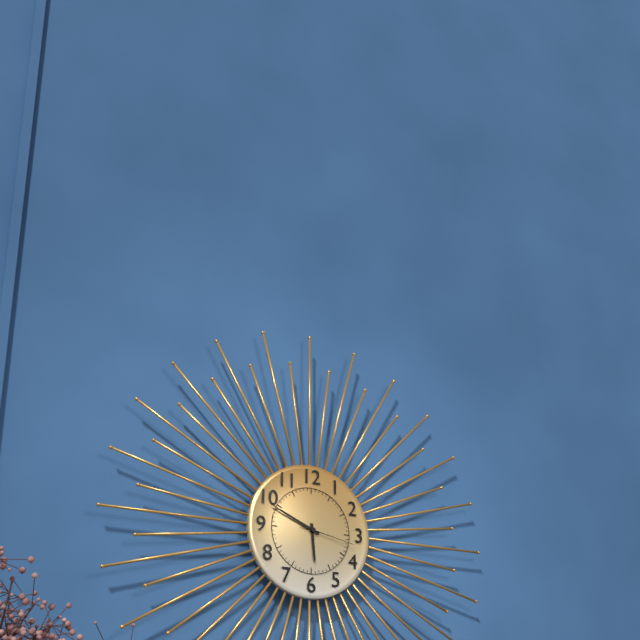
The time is 5:49:17
